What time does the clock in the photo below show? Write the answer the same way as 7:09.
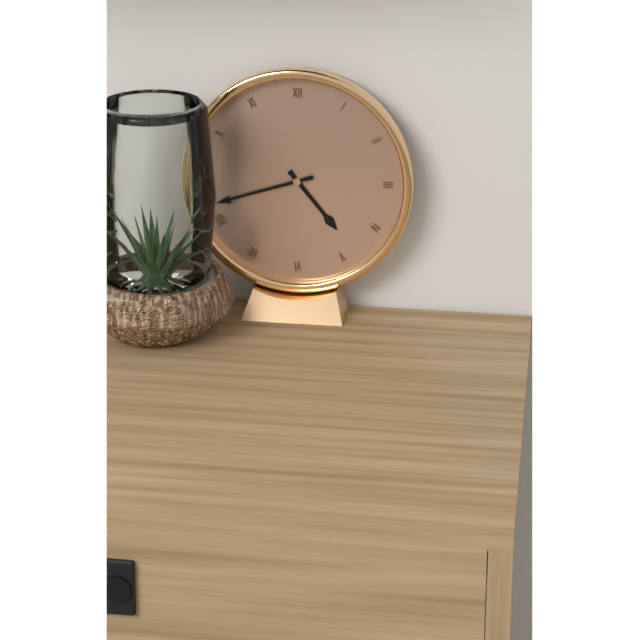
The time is 4:42
